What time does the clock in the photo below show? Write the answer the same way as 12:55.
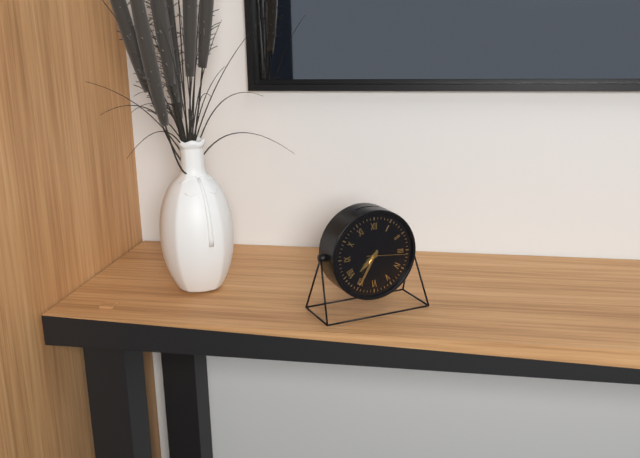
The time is 7:35
